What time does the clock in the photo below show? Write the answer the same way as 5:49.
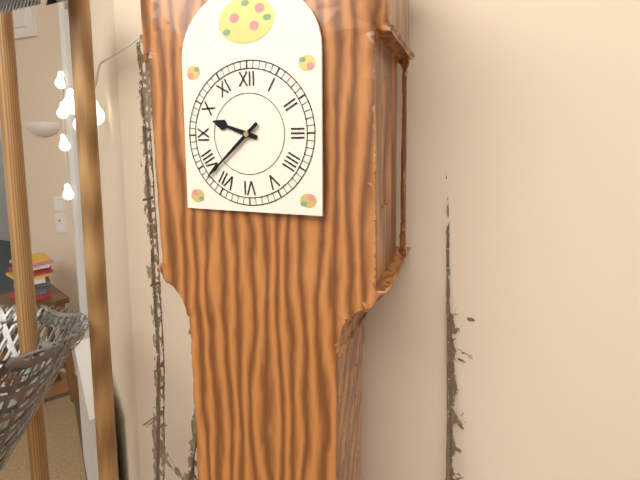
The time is 9:38
